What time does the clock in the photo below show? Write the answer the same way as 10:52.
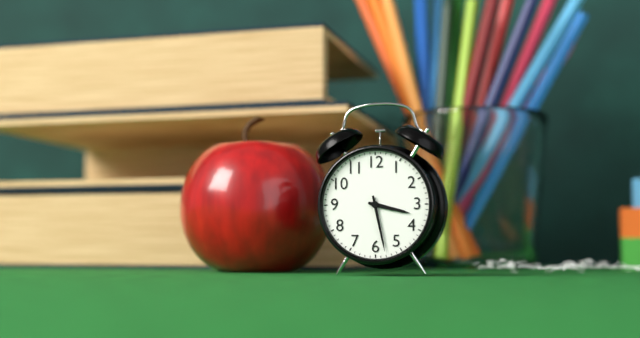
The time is 3:28
